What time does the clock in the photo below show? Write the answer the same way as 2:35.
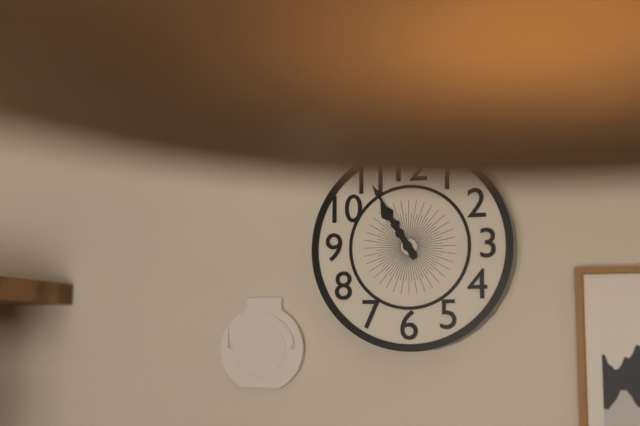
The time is 10:55
